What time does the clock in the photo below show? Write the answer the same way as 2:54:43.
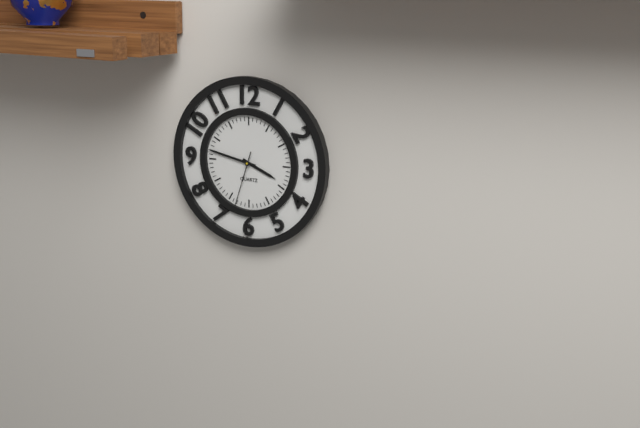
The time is 3:47:33
